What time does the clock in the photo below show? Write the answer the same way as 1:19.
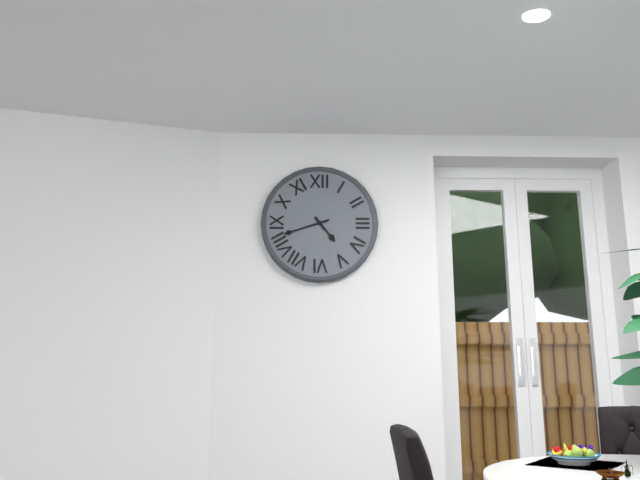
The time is 4:42
